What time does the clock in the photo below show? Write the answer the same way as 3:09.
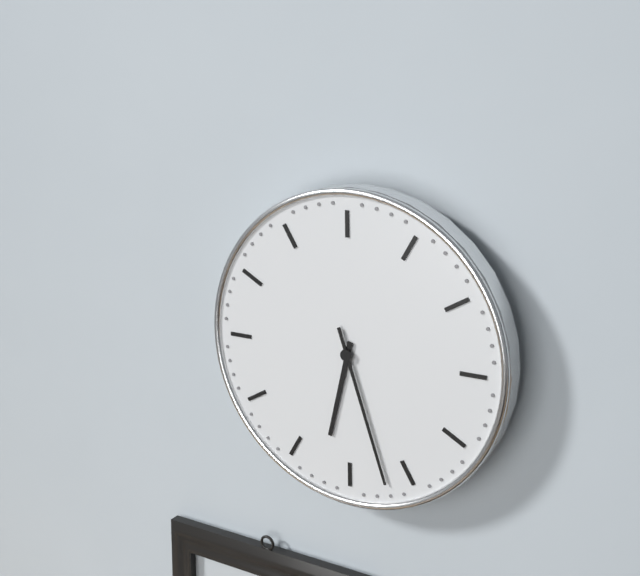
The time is 6:27
